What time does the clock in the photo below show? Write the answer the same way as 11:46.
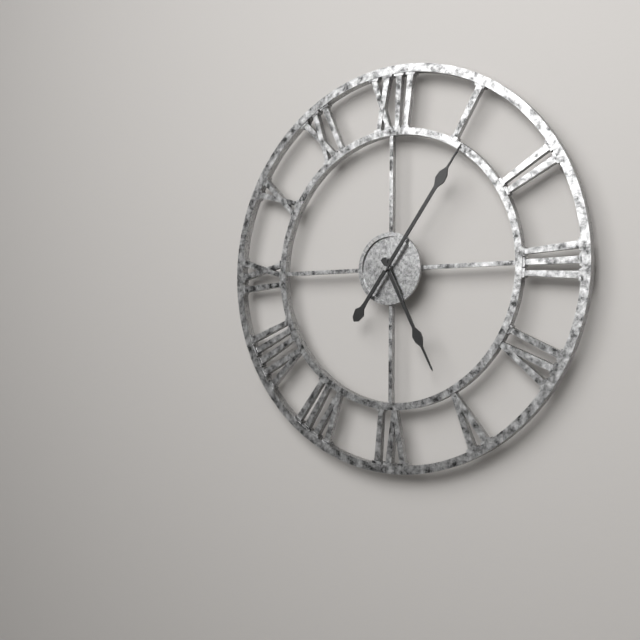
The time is 5:06
